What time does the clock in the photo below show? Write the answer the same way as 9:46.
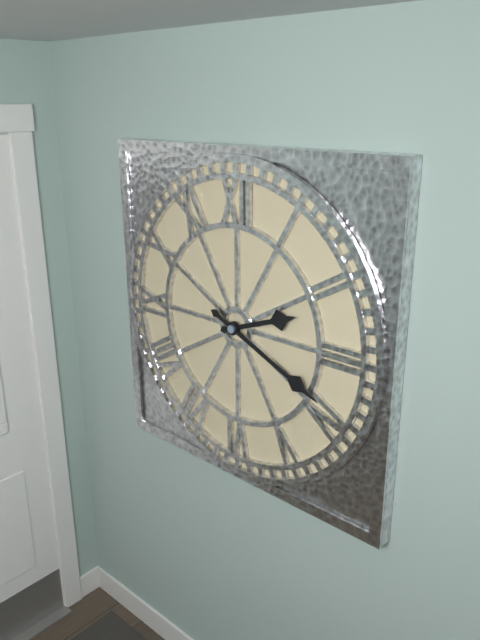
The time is 2:19
